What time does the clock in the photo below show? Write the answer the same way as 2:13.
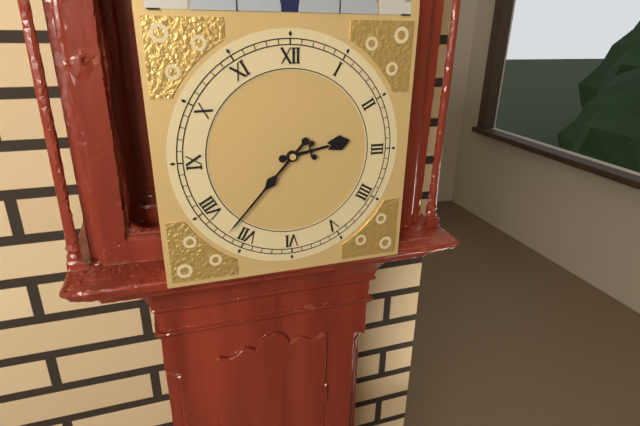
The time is 2:37
